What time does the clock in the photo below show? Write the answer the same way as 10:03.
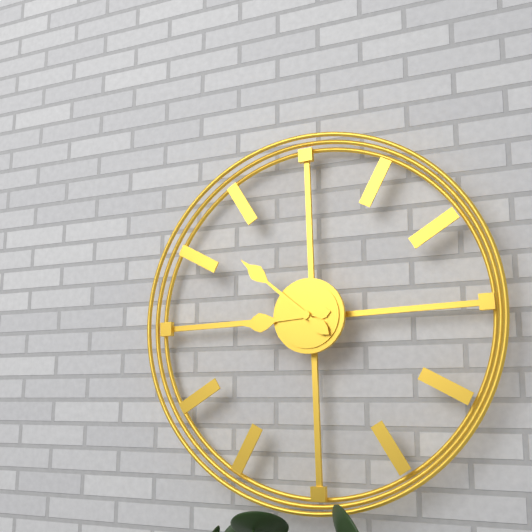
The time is 8:52
